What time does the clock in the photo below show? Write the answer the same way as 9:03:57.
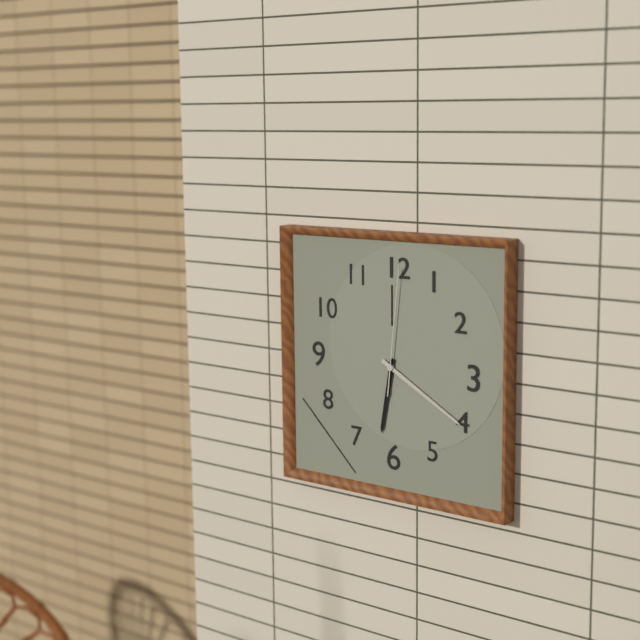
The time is 6:20:01
